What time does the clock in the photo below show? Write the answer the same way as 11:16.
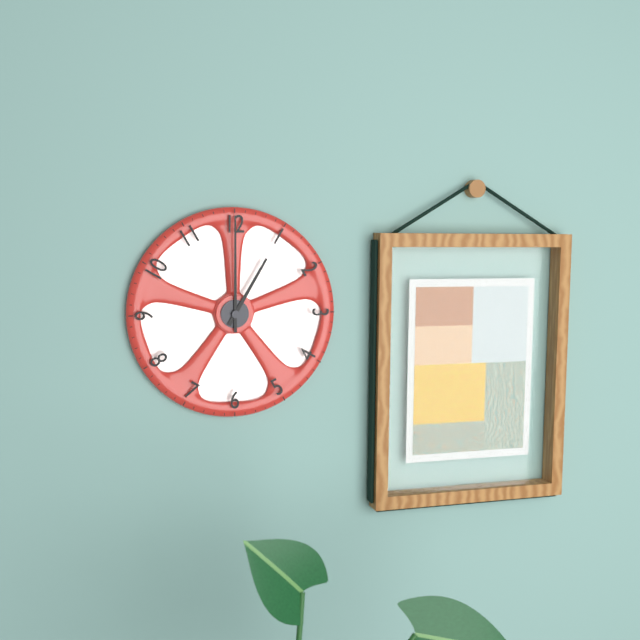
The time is 1:00
